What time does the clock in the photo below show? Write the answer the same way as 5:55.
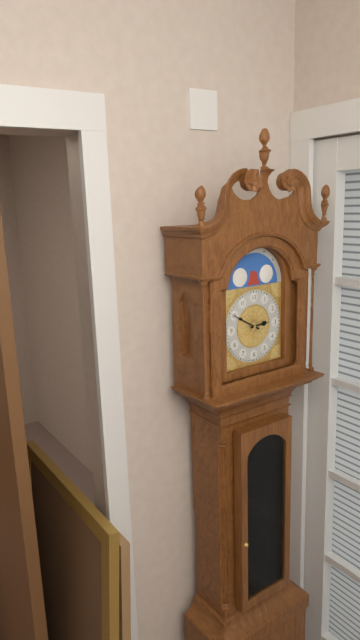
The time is 2:50
